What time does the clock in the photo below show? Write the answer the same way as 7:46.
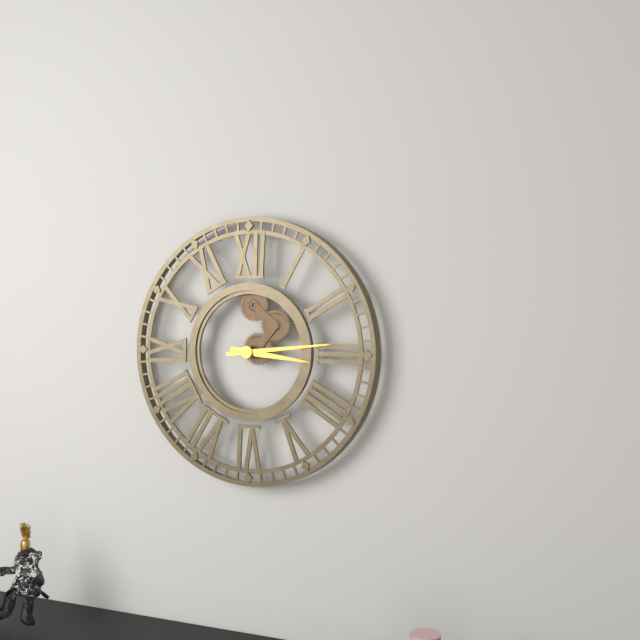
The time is 3:14
